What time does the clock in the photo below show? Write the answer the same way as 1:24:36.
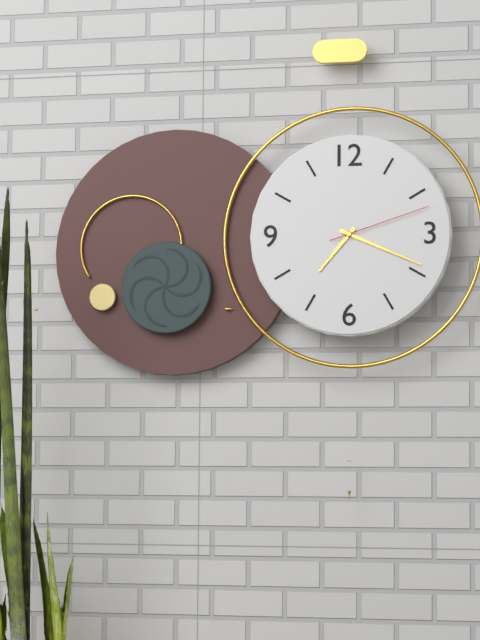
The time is 7:19:12
